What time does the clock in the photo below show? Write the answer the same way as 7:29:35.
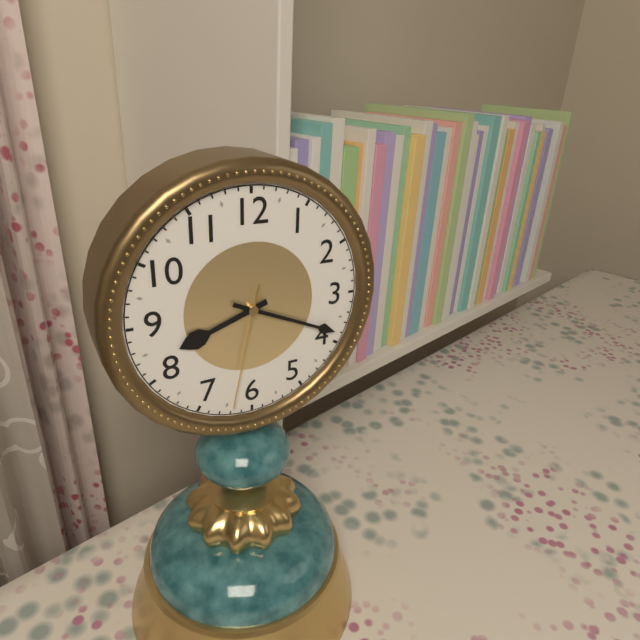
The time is 8:19:32
